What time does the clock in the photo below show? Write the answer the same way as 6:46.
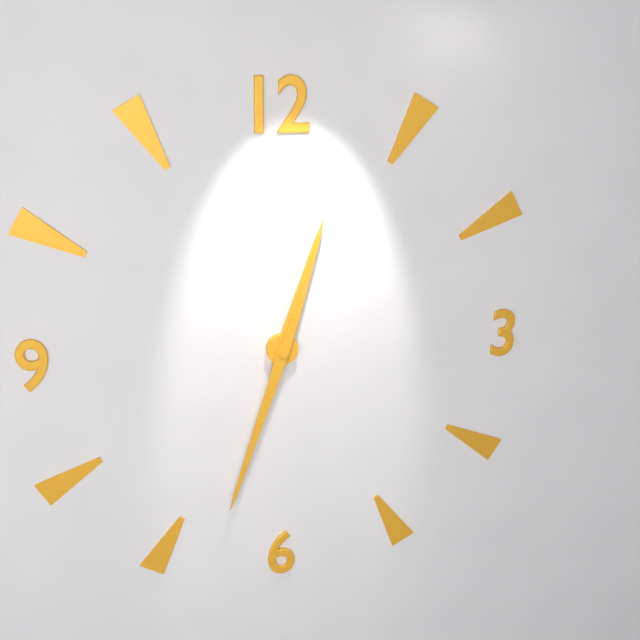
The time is 12:33
